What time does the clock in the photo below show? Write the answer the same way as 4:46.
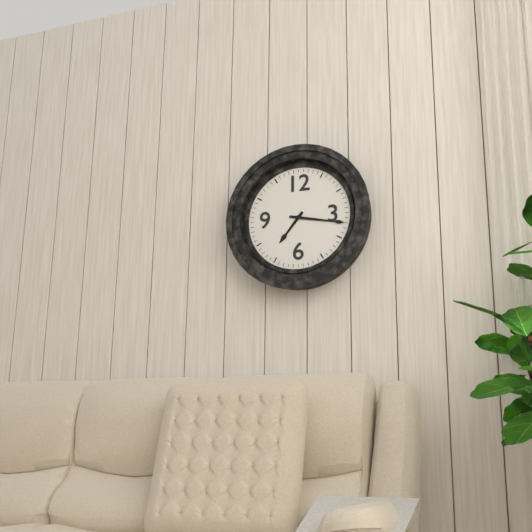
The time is 7:17
